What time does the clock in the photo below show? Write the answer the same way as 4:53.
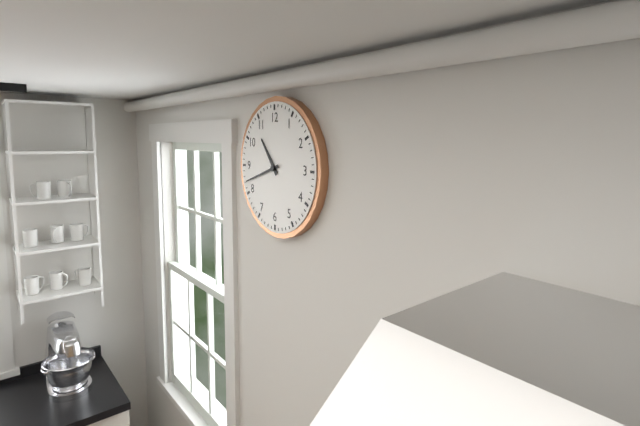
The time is 10:42
